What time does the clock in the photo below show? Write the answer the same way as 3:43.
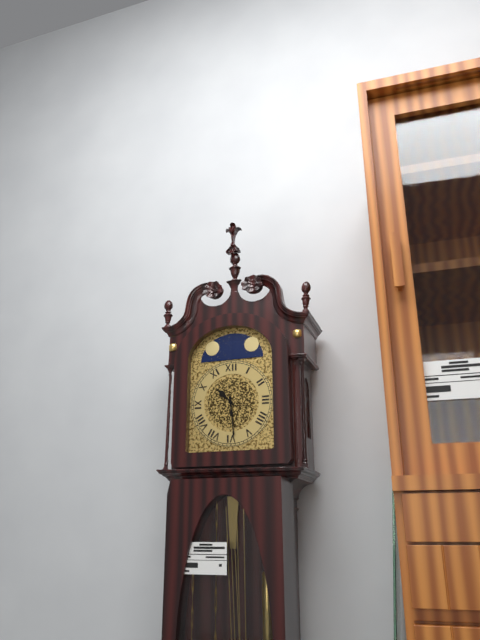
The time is 10:29
